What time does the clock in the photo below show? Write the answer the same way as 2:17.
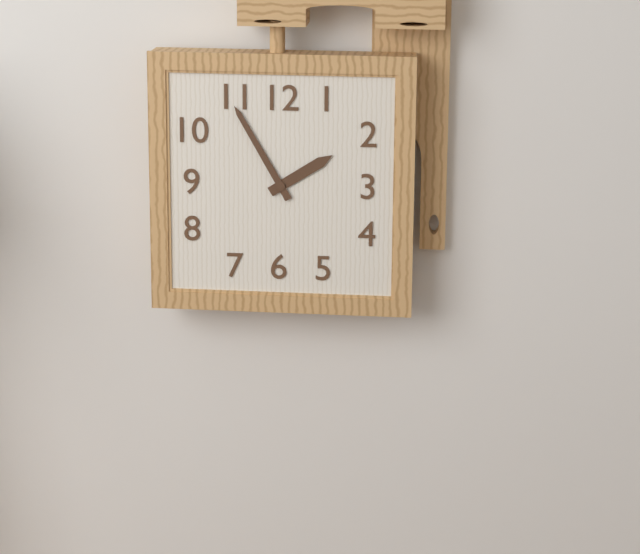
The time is 1:55
